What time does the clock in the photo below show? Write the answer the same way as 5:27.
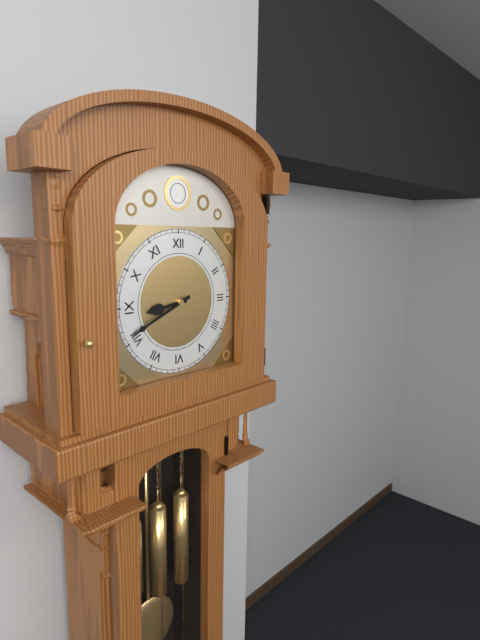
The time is 8:41
